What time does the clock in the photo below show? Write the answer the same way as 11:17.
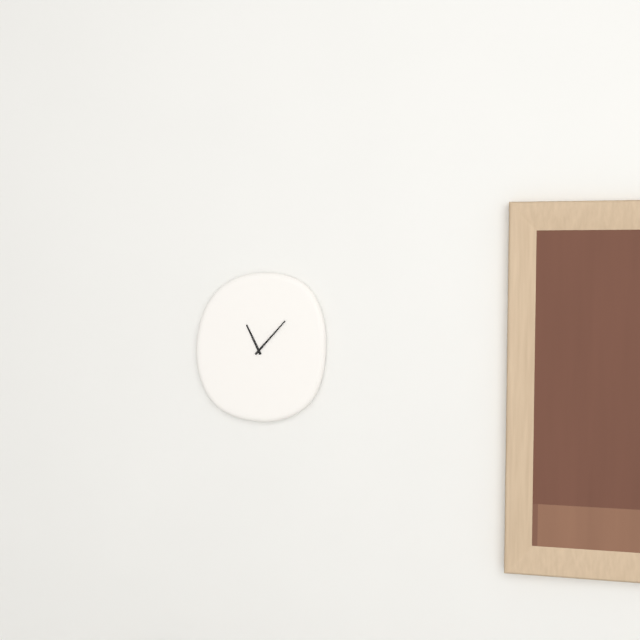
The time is 11:07
